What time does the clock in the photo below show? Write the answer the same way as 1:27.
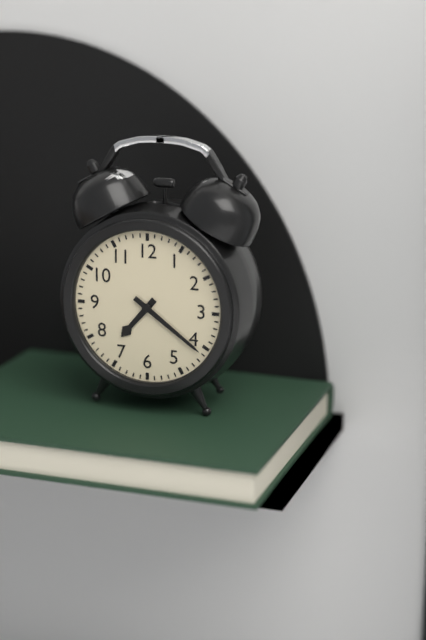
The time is 7:21
